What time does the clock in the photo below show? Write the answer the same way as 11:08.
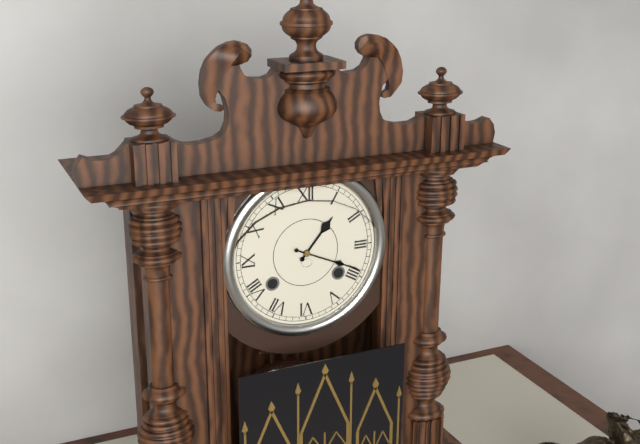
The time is 1:19
